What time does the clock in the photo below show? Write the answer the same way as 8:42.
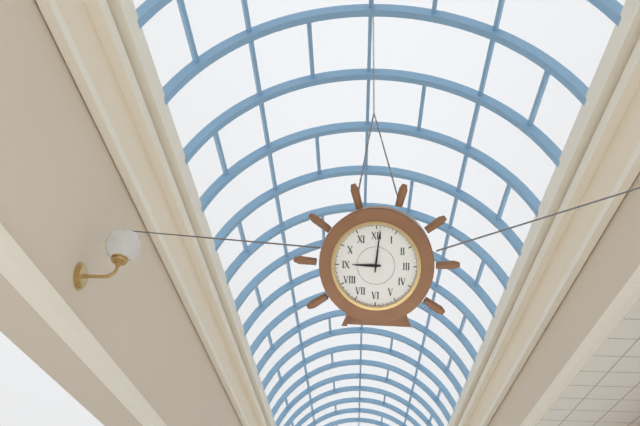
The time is 9:01
